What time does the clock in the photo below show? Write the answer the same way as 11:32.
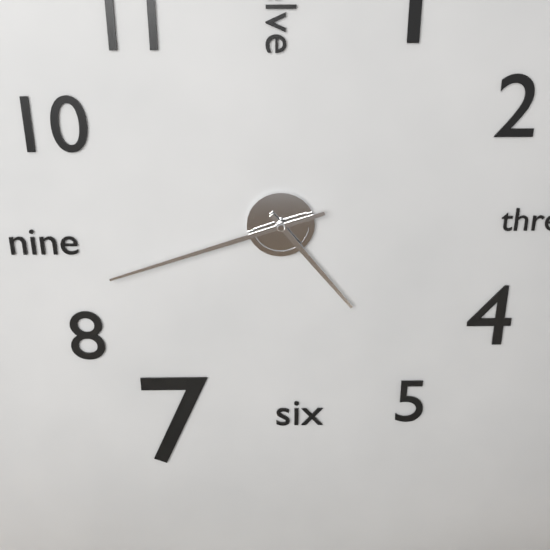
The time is 4:42
